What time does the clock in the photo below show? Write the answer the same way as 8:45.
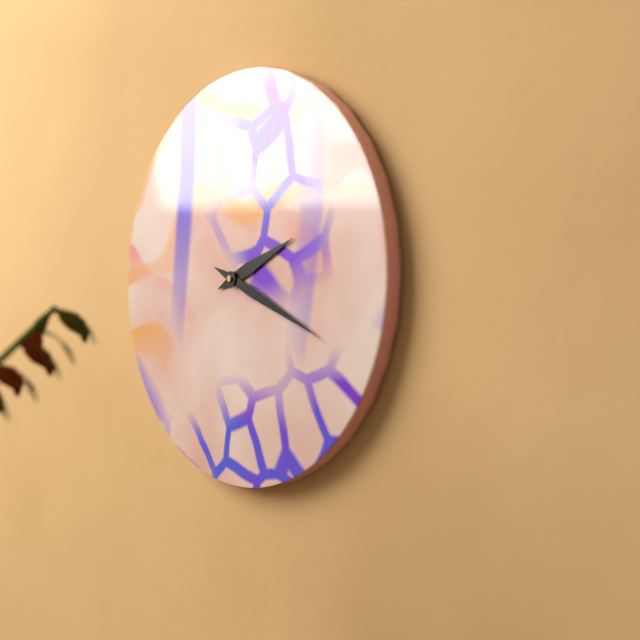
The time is 2:19
